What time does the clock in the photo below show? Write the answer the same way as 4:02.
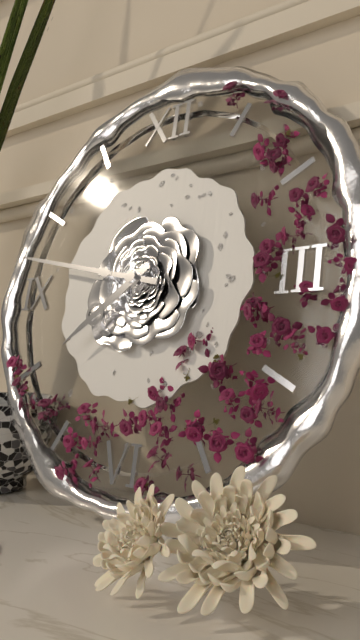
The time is 7:47
